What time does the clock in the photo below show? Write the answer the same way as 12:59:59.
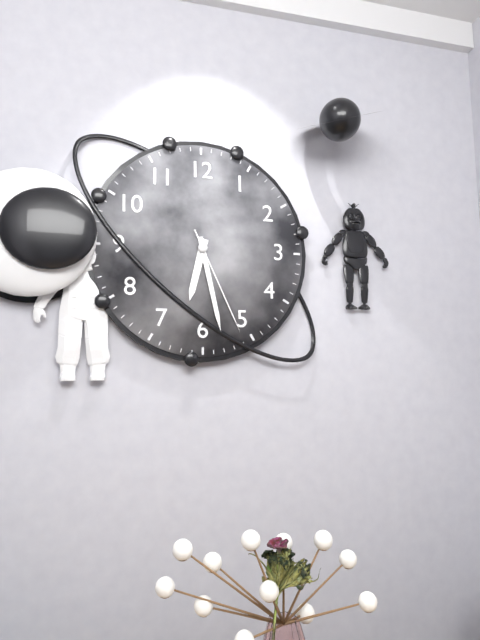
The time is 6:28:26
